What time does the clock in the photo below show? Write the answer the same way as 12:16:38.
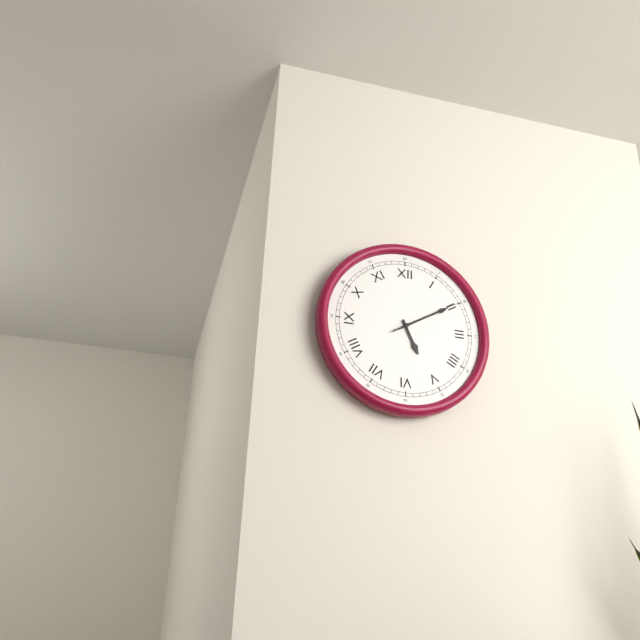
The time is 5:10:10
